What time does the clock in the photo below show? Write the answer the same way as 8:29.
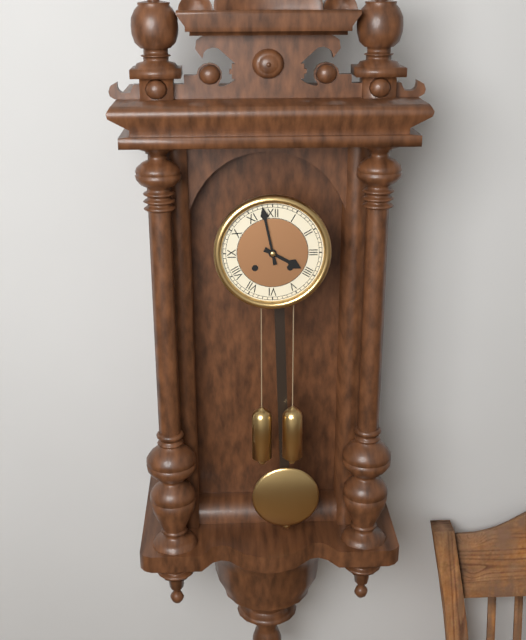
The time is 3:58
